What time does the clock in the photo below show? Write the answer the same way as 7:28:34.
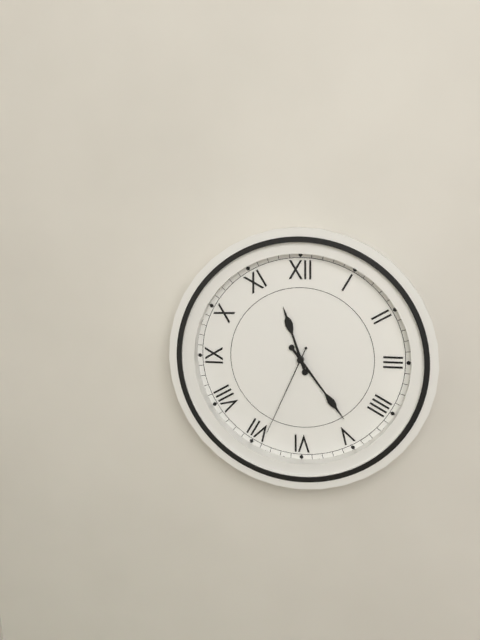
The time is 11:24:34
